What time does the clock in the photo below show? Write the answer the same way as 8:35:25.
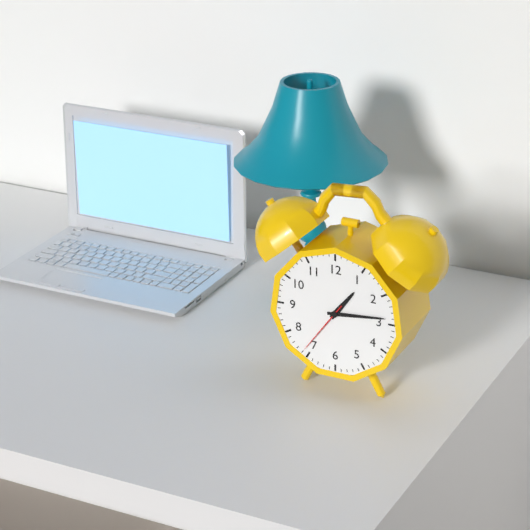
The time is 1:14:36
